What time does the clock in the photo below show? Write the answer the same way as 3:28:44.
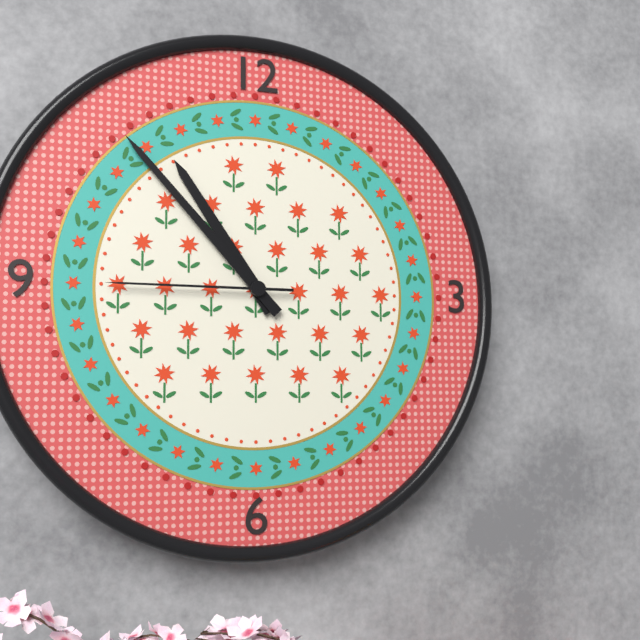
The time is 10:53:45
